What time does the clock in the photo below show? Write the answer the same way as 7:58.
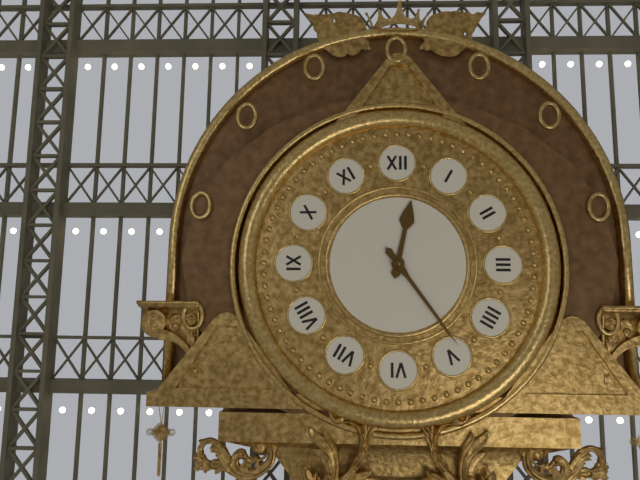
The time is 12:24
